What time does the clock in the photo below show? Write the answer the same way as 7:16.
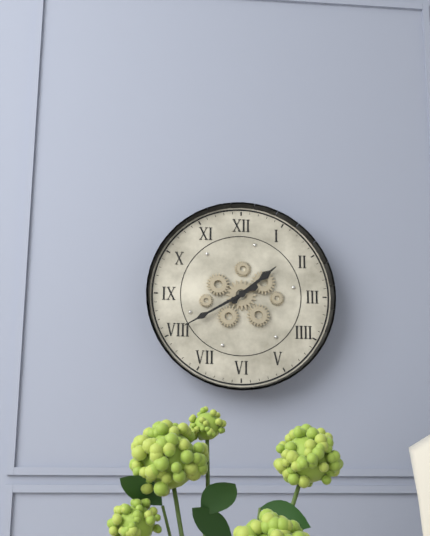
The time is 1:40
